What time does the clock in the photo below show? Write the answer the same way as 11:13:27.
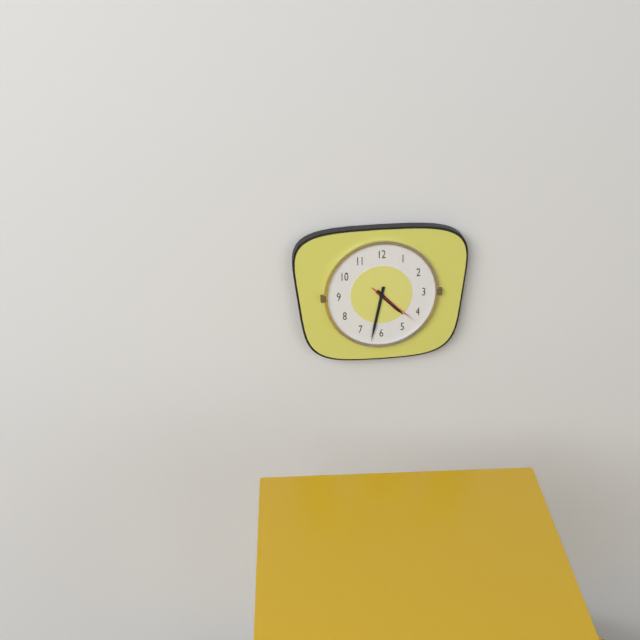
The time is 4:32:22
